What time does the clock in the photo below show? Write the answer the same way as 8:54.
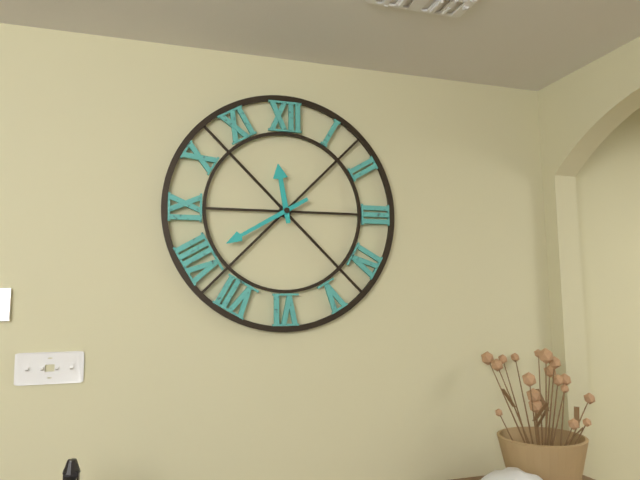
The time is 11:40
